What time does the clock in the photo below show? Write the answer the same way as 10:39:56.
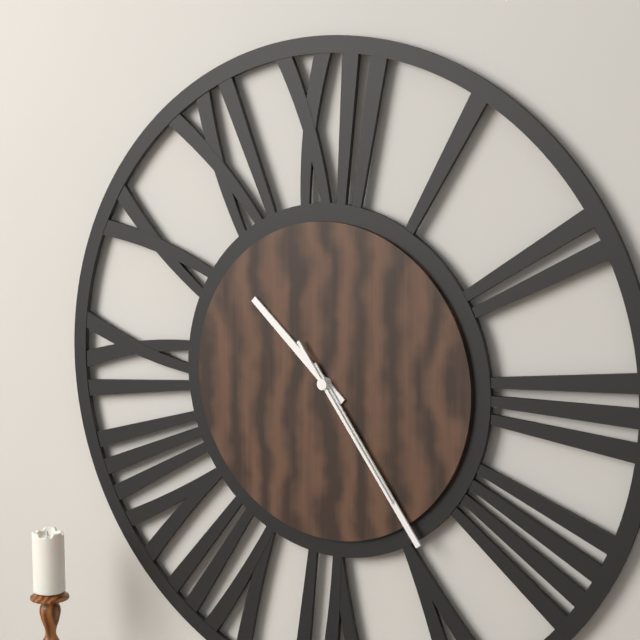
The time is 10:24:24
